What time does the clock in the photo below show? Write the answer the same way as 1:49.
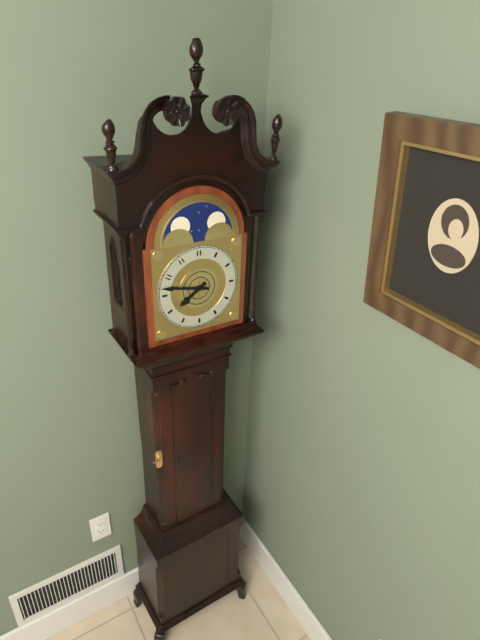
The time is 7:47
